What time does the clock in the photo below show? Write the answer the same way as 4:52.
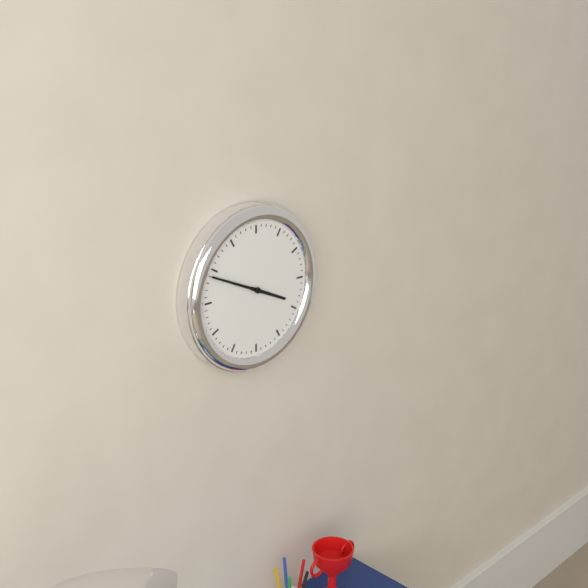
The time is 3:49
